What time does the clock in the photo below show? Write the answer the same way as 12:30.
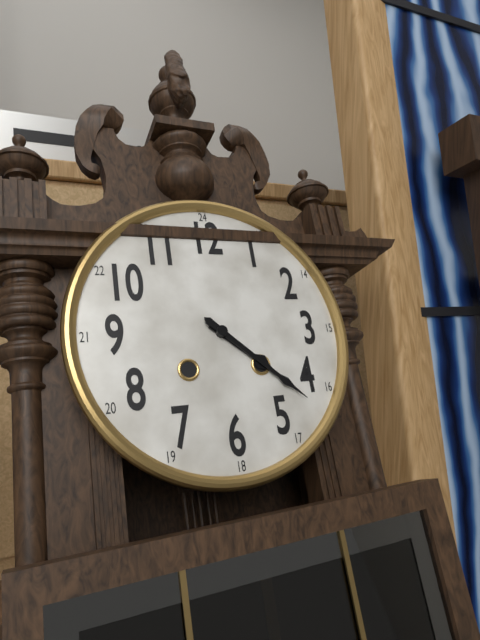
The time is 4:22
